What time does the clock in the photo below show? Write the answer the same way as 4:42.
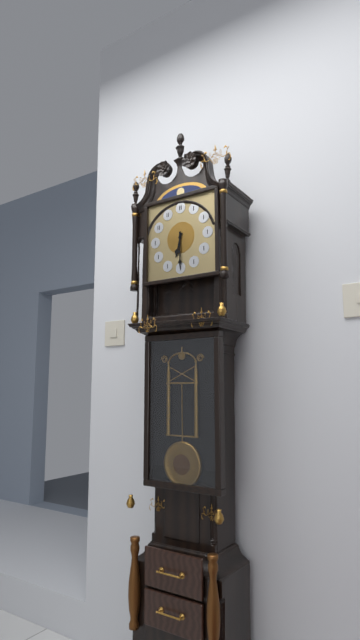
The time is 6:30
